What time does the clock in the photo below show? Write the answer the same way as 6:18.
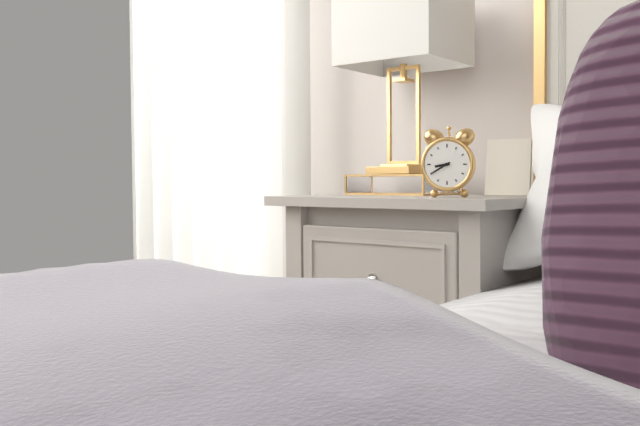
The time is 8:40
